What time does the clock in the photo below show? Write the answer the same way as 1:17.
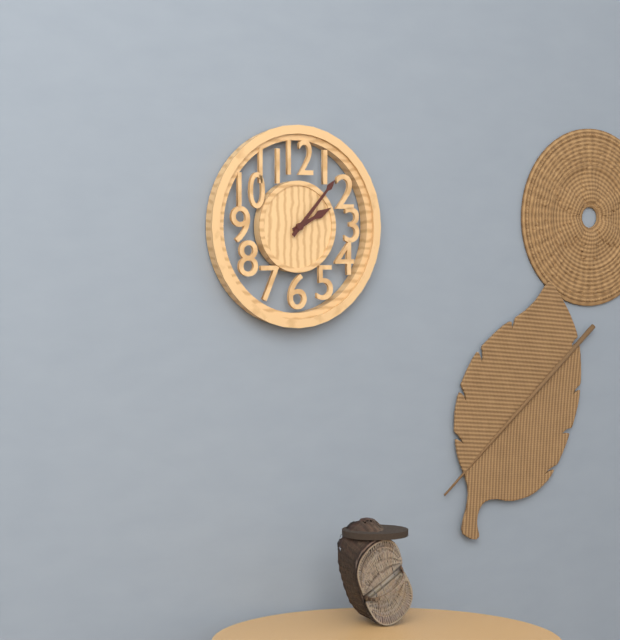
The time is 2:07
